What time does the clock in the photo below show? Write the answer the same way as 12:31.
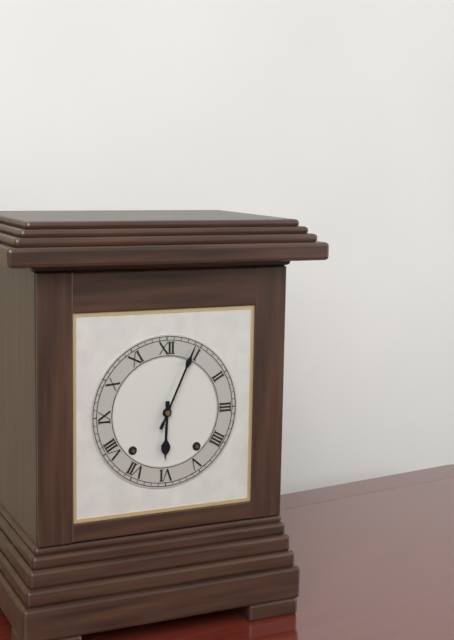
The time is 6:04
